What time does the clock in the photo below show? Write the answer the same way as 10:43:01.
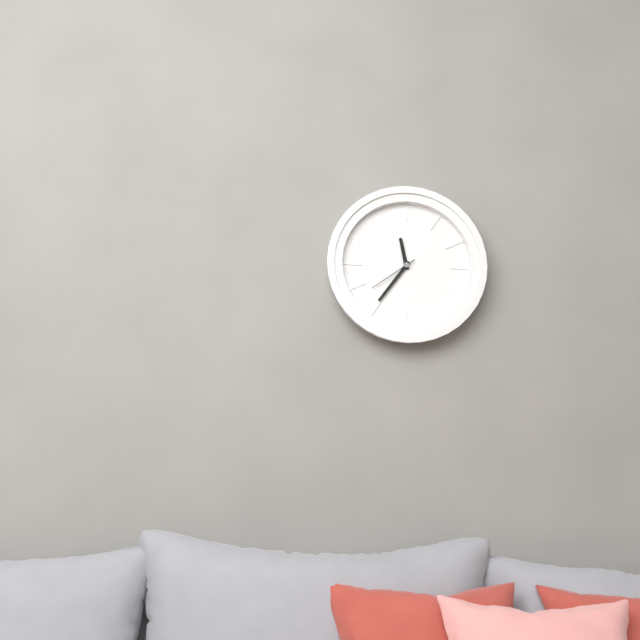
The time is 11:36:39
